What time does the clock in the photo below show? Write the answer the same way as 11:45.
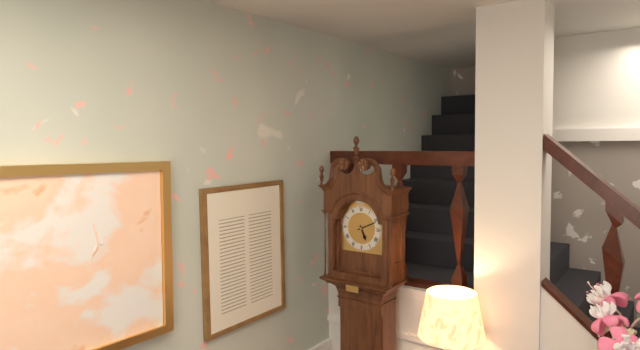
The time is 5:11
